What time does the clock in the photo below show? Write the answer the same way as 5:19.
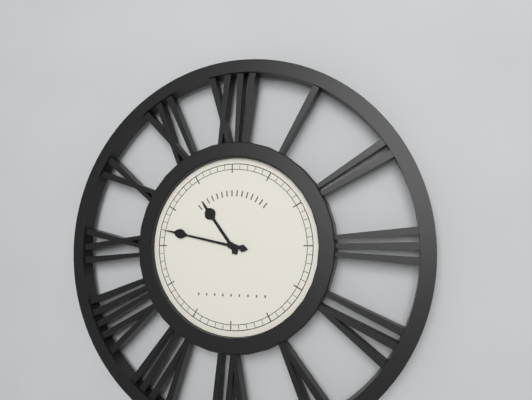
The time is 10:47
